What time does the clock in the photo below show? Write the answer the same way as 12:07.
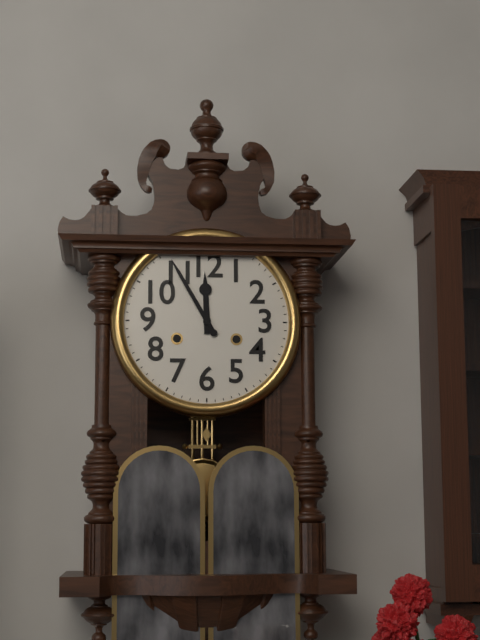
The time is 11:55
